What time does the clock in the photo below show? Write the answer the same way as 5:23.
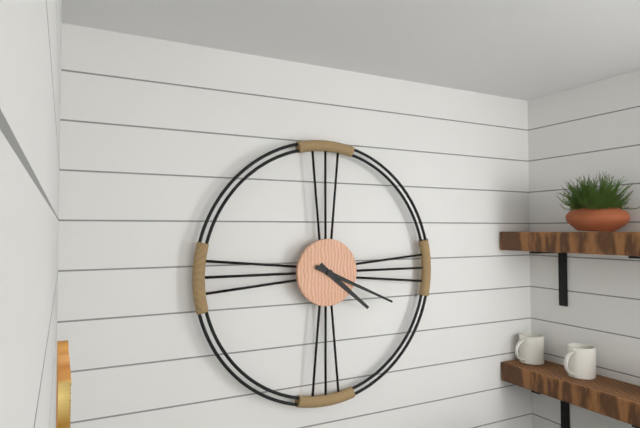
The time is 4:19
